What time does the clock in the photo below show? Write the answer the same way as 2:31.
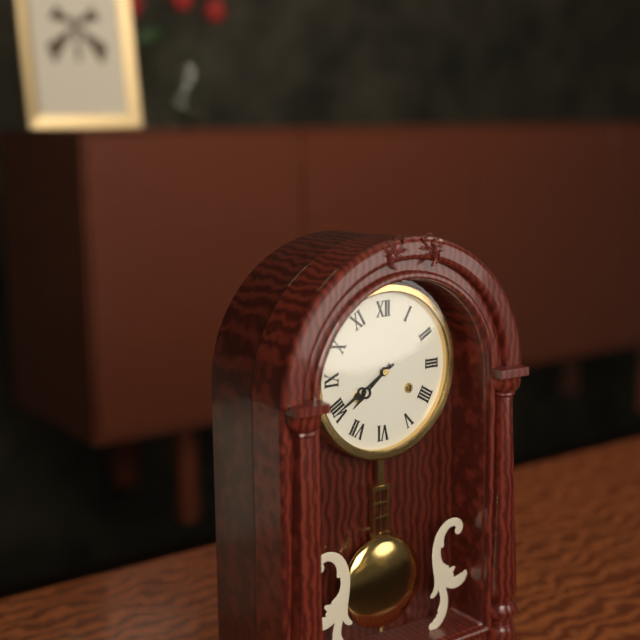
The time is 7:40
